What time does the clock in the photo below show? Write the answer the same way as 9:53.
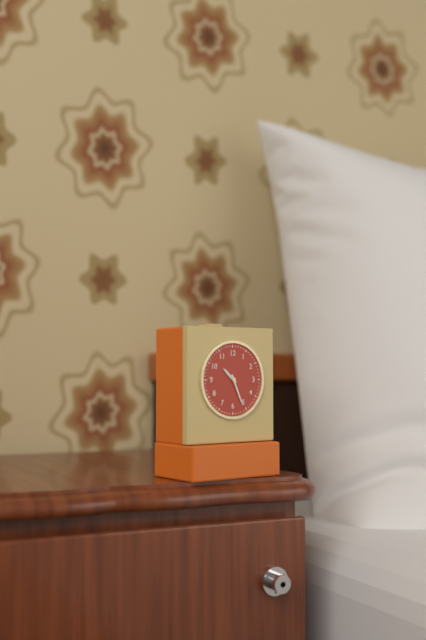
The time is 10:26
